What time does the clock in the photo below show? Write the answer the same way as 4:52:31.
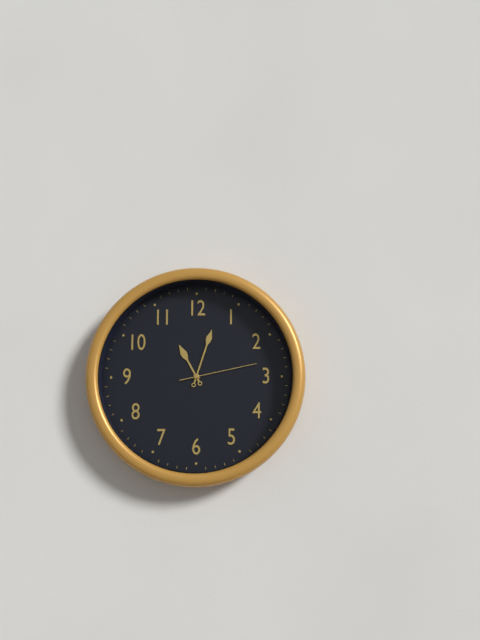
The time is 11:03:13
